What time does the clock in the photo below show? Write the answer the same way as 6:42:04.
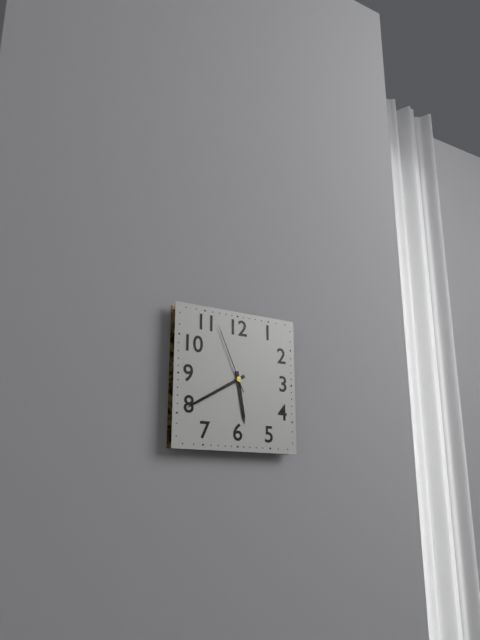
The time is 5:40:56
